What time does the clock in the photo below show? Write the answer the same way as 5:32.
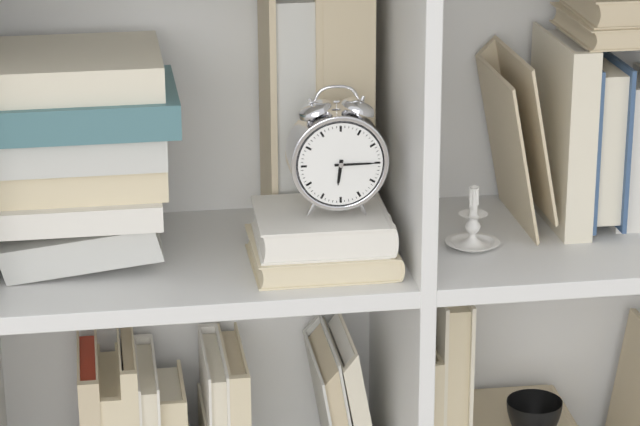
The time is 6:15
